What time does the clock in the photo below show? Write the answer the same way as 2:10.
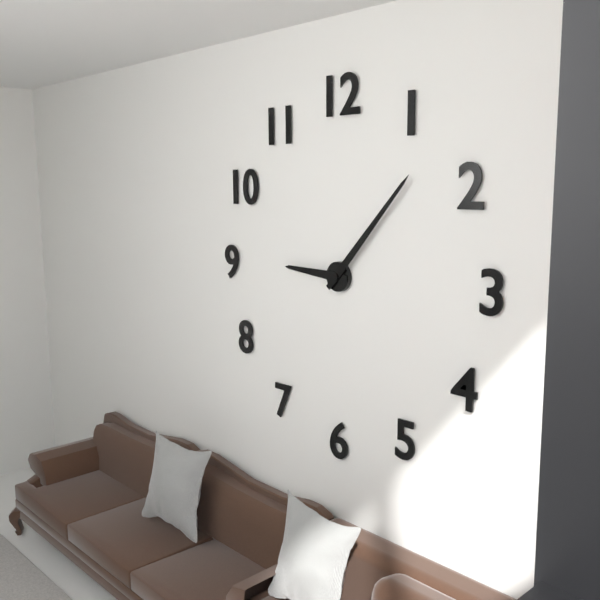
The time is 9:07
